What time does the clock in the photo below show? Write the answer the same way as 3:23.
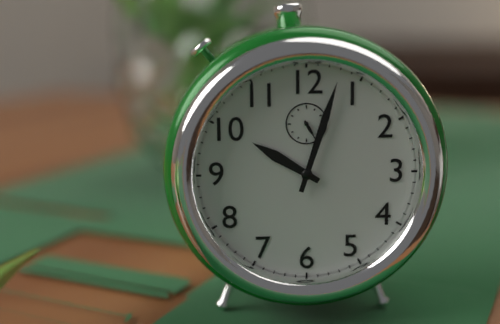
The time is 10:03
